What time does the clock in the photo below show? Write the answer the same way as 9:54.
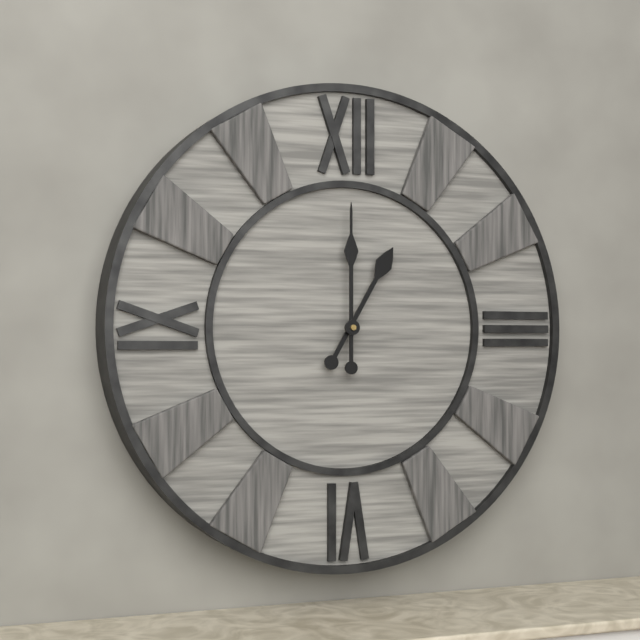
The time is 1:00
